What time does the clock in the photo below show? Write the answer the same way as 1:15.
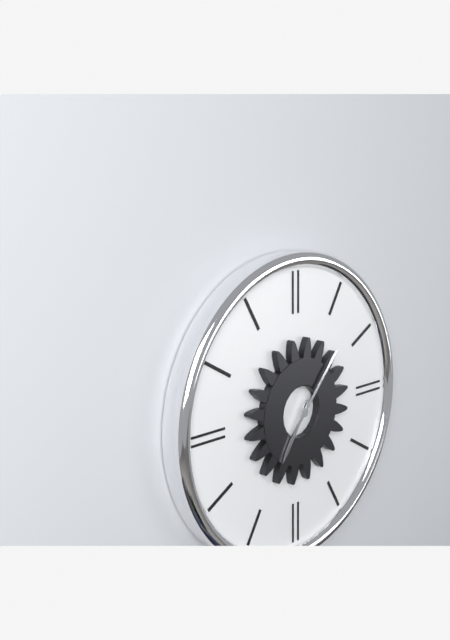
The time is 7:07
